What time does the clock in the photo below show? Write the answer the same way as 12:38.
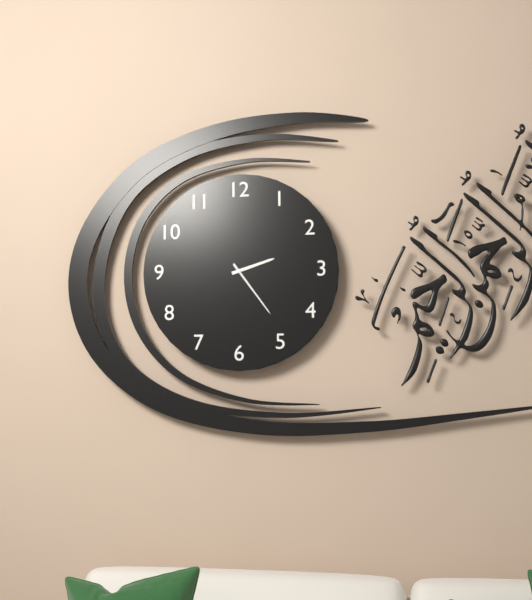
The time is 2:24
